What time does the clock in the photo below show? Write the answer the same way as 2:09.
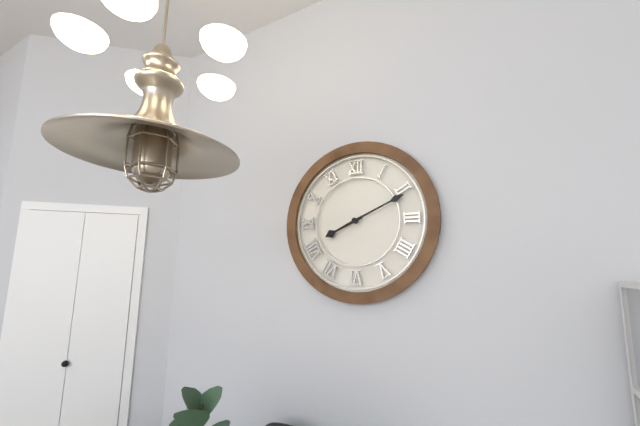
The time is 8:11
